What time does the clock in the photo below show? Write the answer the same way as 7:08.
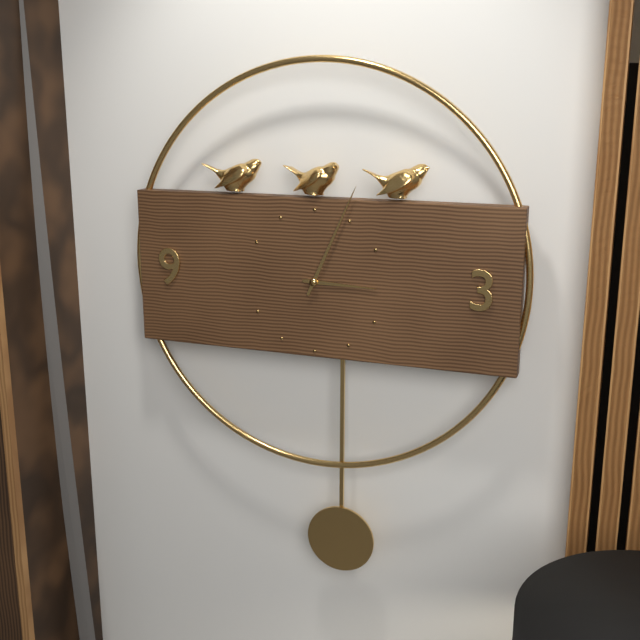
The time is 3:04
